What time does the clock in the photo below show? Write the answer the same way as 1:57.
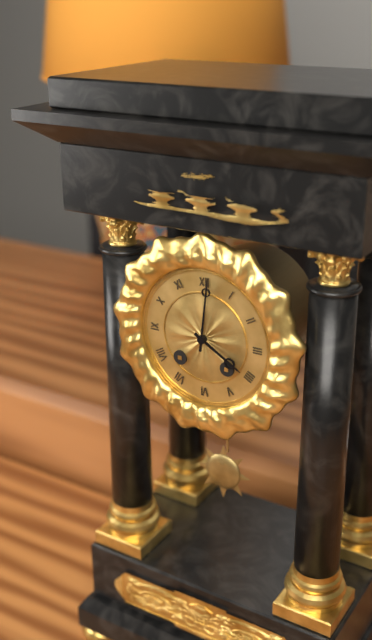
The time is 4:01
